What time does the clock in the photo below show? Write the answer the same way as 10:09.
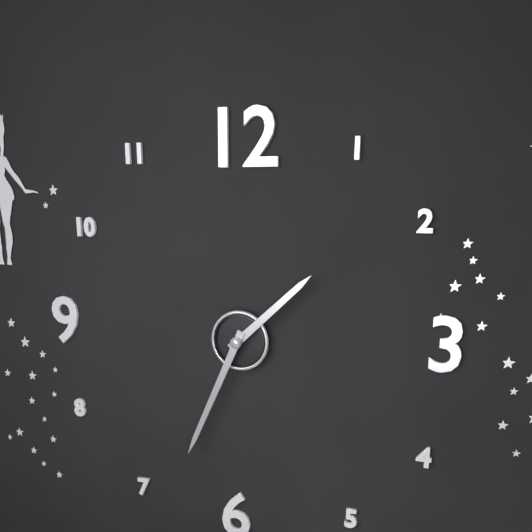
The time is 1:34
